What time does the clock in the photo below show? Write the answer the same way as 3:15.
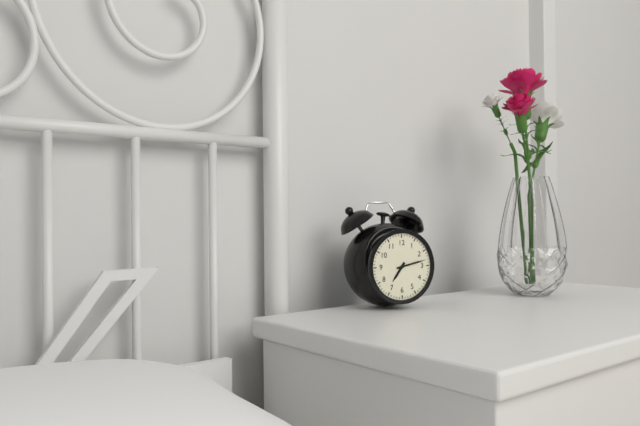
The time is 7:13
